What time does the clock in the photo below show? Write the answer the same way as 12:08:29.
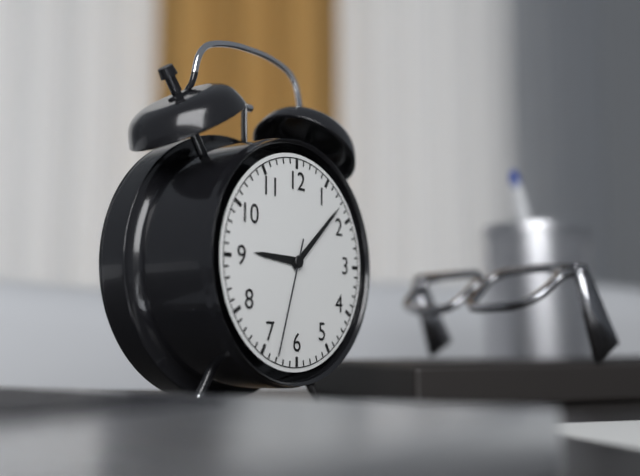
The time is 9:08:33
